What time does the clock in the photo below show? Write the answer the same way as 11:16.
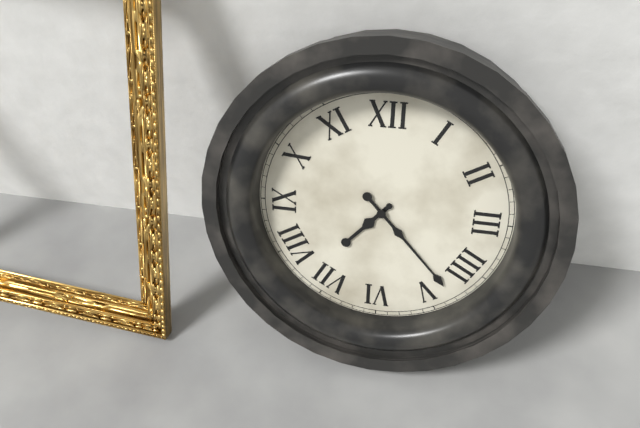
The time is 7:23
